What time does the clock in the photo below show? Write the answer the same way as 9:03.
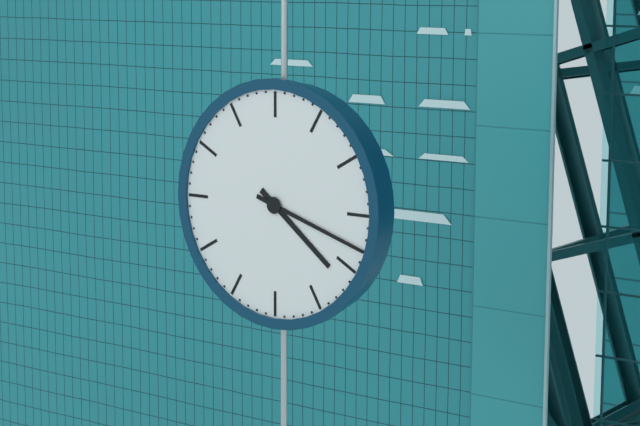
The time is 4:18
